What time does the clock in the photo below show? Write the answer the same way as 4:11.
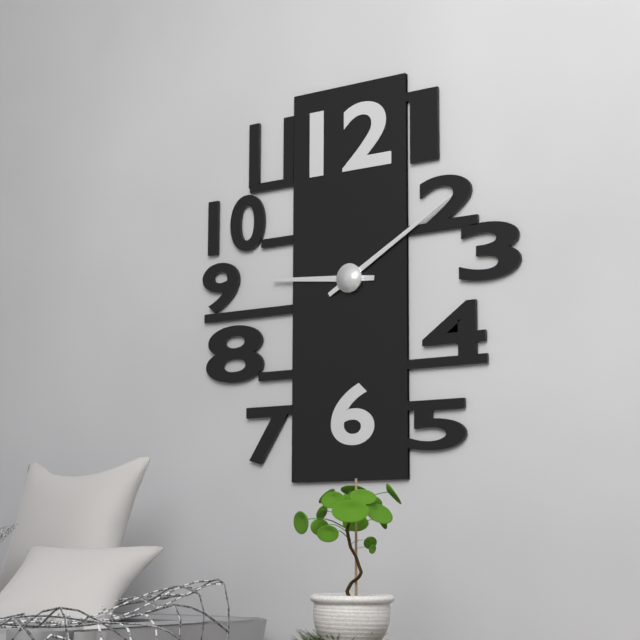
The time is 9:10
